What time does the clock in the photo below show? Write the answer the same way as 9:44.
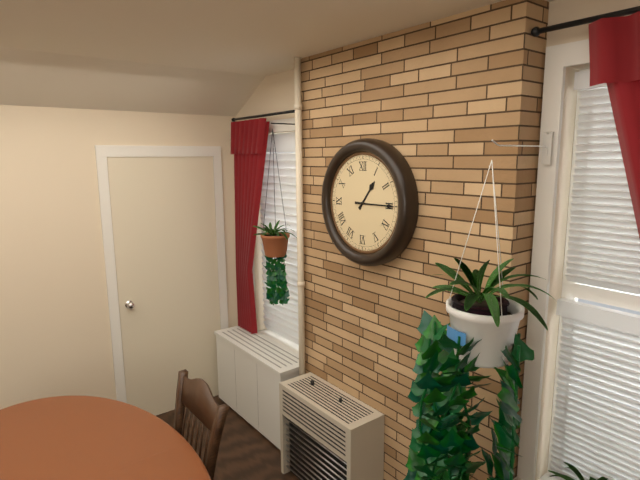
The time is 1:15
